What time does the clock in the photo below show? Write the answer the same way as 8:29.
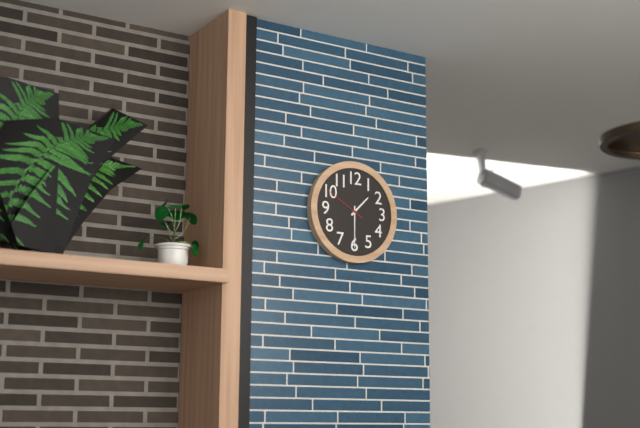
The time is 1:30
